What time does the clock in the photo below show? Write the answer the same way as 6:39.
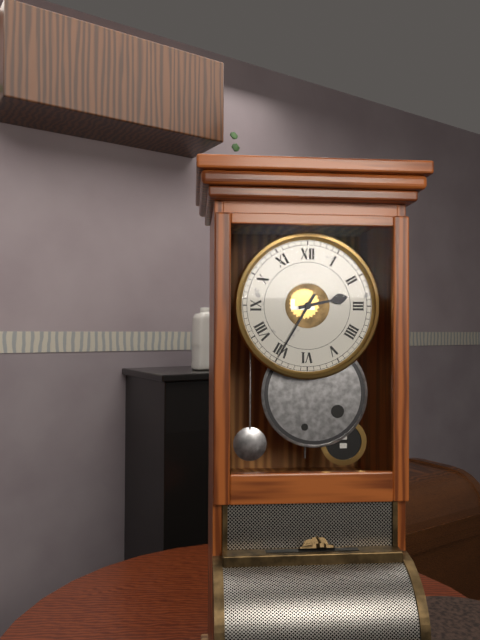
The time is 2:35
